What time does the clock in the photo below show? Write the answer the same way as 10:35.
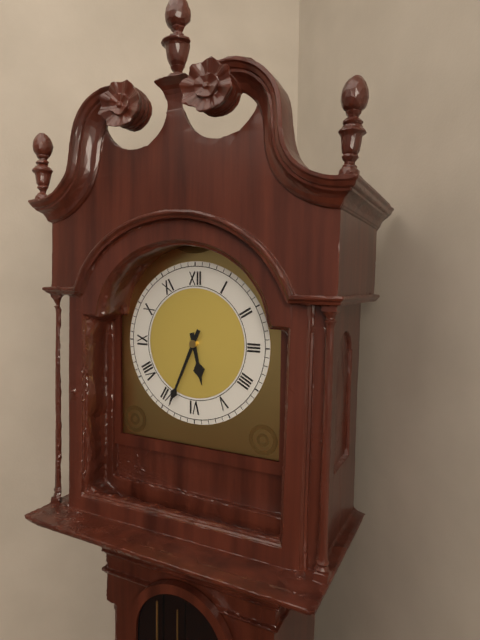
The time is 5:34
